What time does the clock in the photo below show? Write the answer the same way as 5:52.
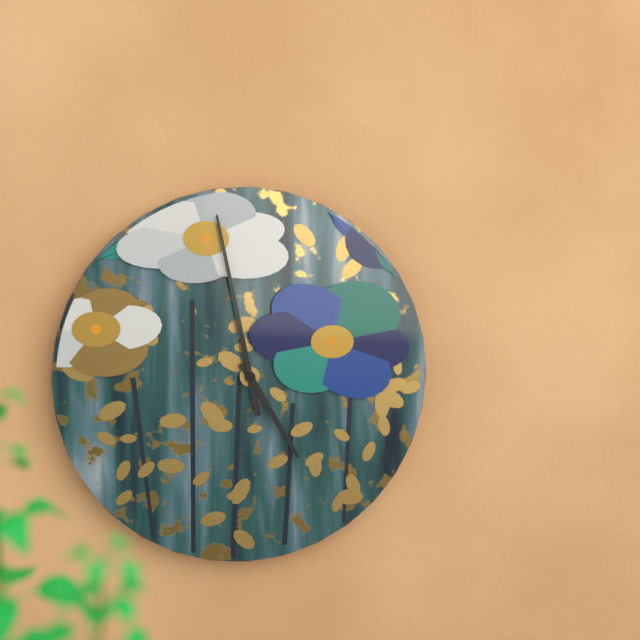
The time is 4:58
